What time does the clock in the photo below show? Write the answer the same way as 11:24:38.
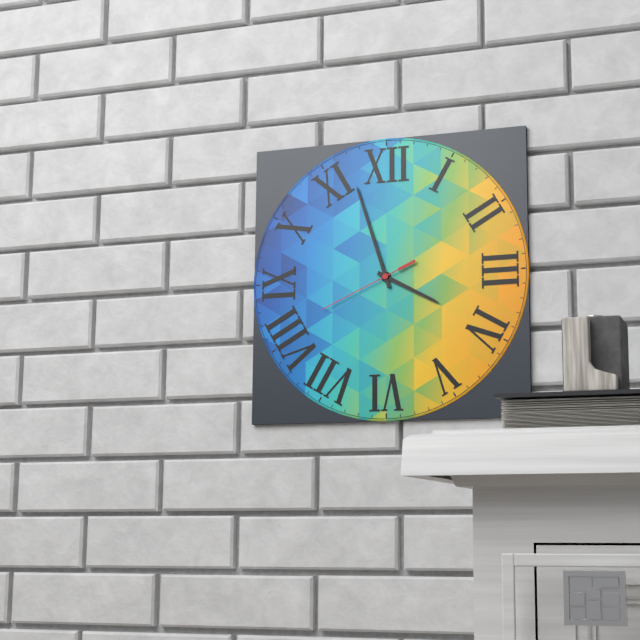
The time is 3:57:41
